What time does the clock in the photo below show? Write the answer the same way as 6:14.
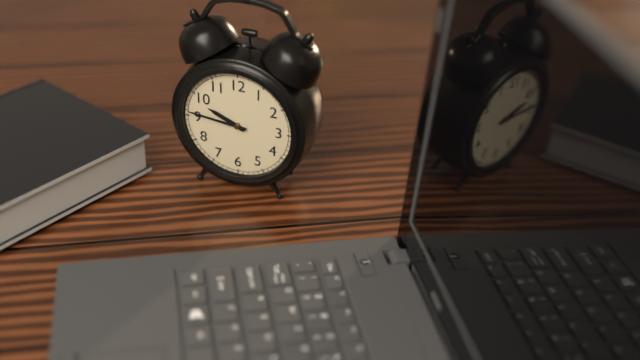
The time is 9:46
